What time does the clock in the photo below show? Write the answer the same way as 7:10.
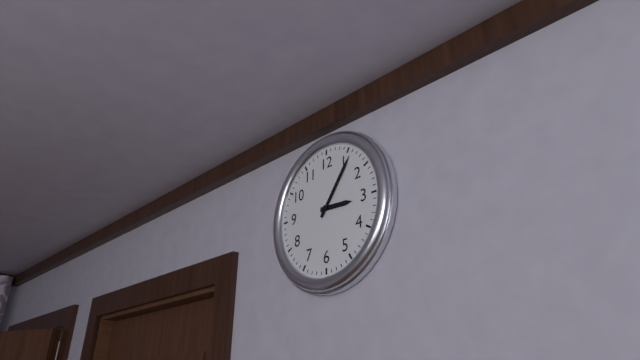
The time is 3:06
